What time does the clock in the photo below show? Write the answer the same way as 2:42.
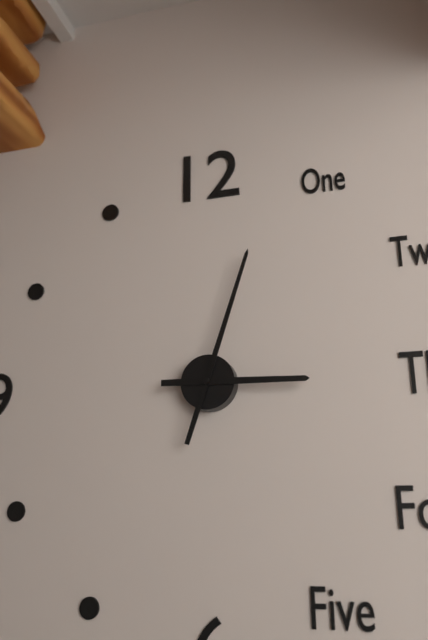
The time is 3:03
